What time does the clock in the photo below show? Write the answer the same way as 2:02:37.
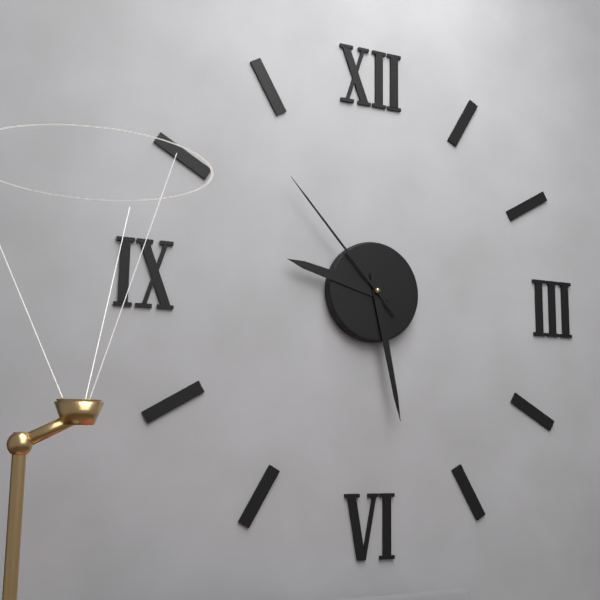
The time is 9:28:53
